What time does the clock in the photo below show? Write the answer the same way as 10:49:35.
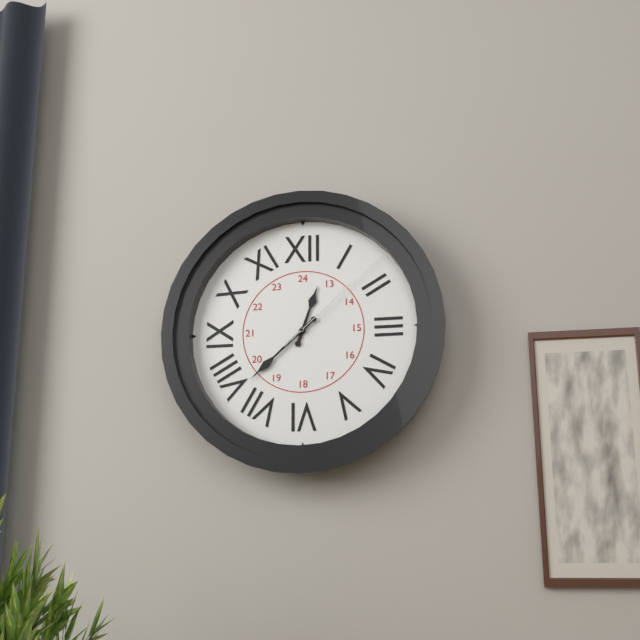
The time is 12:38:08
